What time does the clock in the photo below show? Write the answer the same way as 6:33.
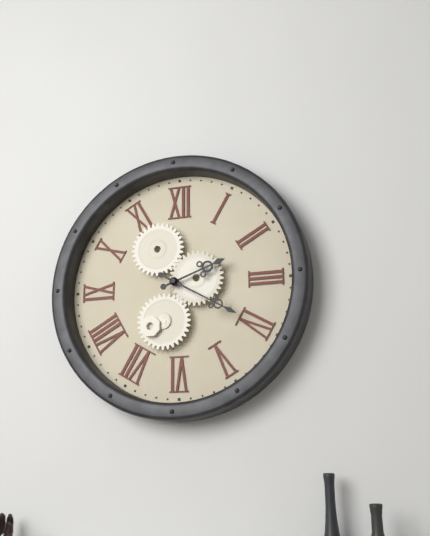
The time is 2:20
